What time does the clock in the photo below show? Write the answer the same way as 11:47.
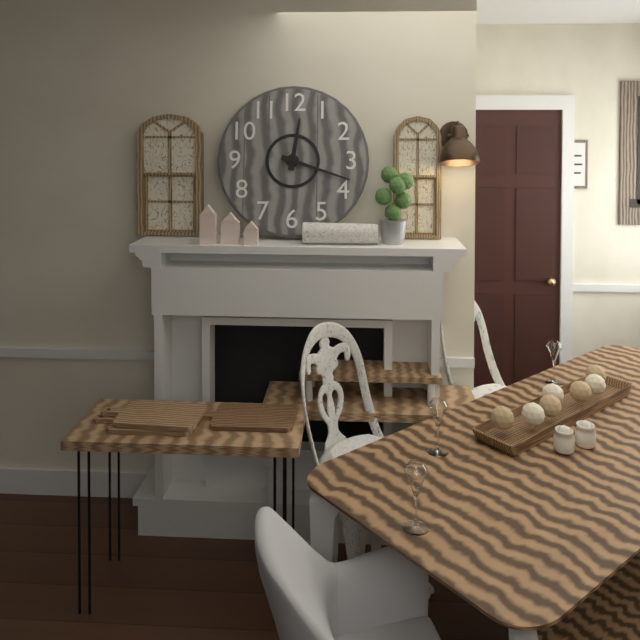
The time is 12:18
